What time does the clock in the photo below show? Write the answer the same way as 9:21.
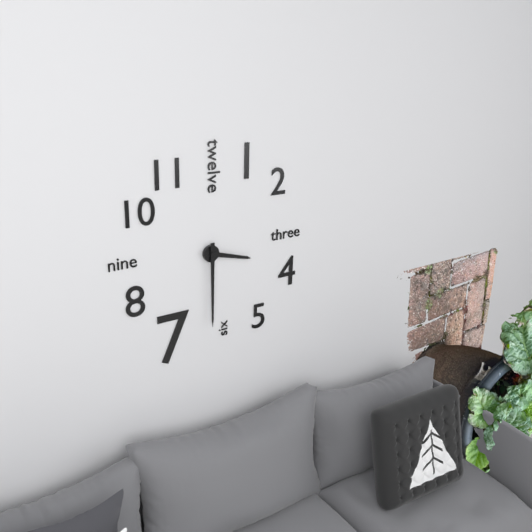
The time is 3:30
